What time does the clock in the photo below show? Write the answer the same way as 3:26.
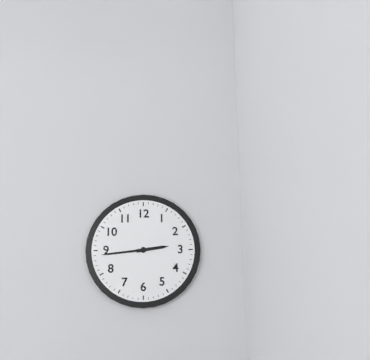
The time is 2:44
